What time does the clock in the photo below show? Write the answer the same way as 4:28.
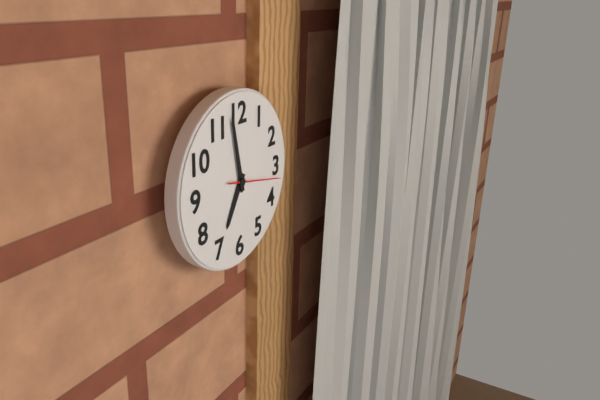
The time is 6:58
